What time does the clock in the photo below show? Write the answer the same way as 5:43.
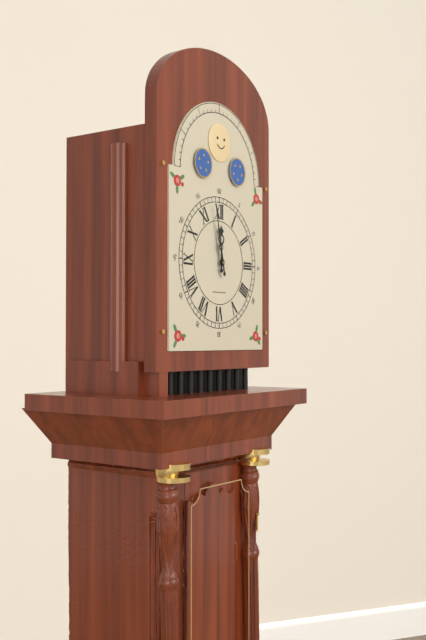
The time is 11:58
